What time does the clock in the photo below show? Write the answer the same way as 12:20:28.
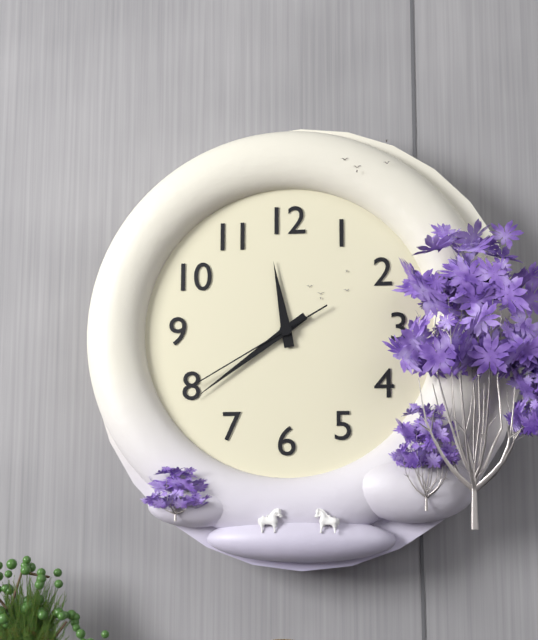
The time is 11:39:40
